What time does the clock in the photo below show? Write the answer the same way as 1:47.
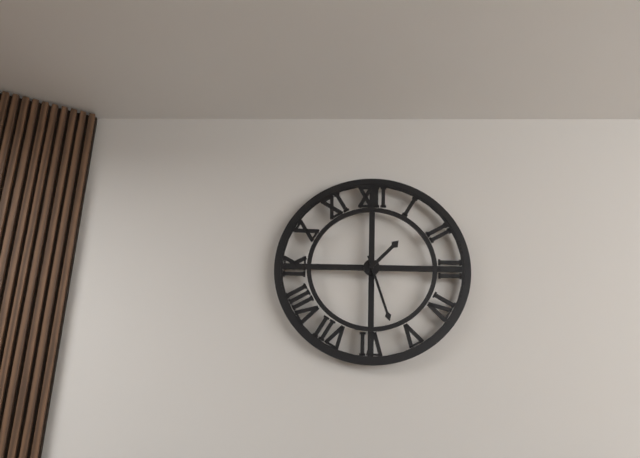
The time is 1:27
